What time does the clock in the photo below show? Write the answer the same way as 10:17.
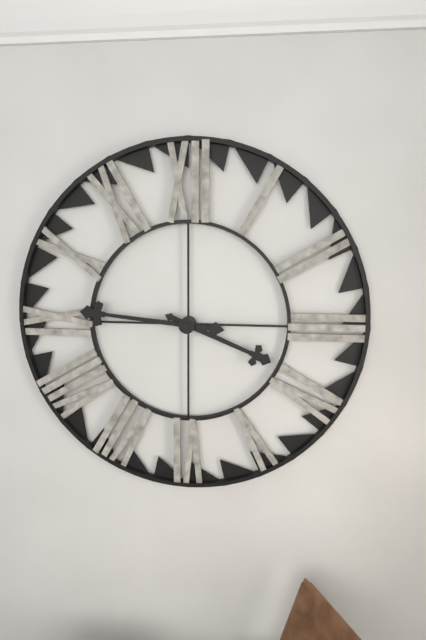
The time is 3:46
